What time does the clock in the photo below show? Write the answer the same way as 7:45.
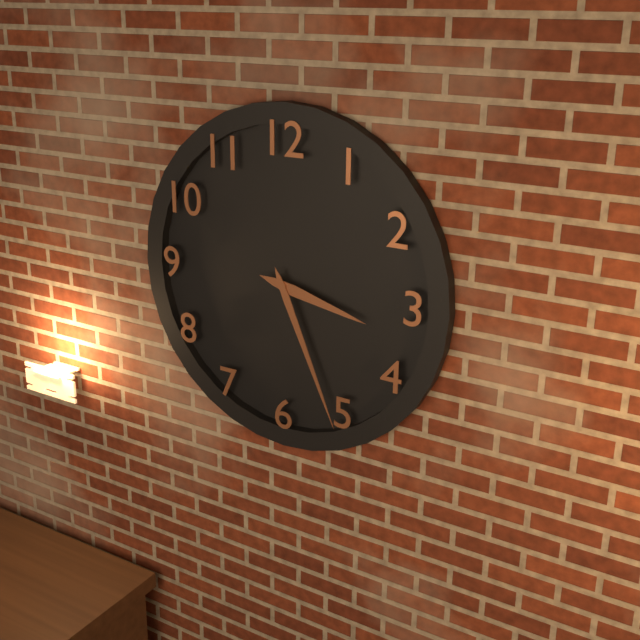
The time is 3:26
